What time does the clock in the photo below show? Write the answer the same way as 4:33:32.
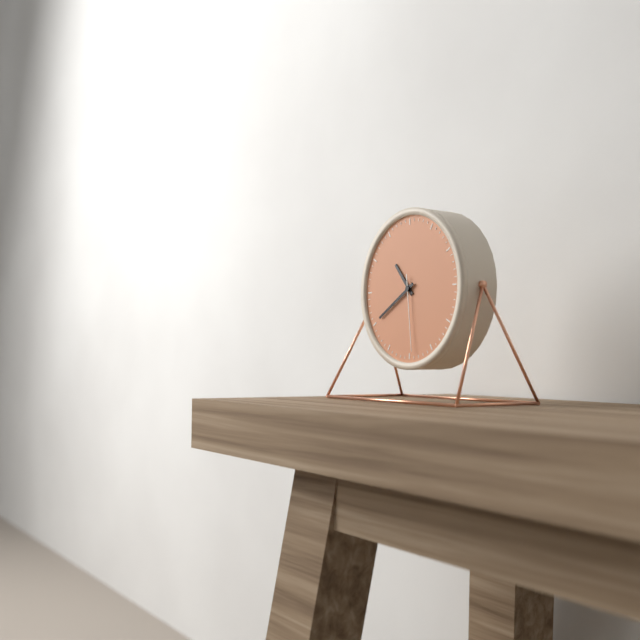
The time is 10:40:29
